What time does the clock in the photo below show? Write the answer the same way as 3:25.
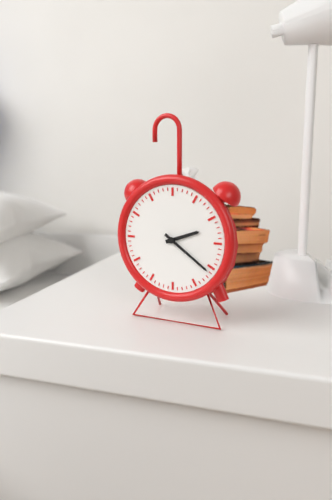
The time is 2:21
